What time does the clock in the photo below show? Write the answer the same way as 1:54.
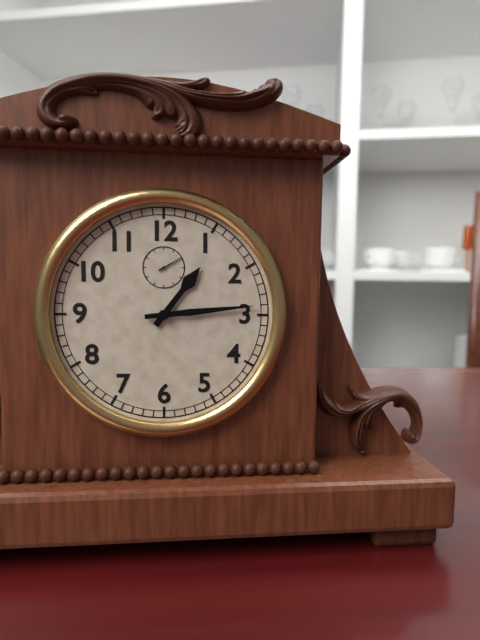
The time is 1:14
